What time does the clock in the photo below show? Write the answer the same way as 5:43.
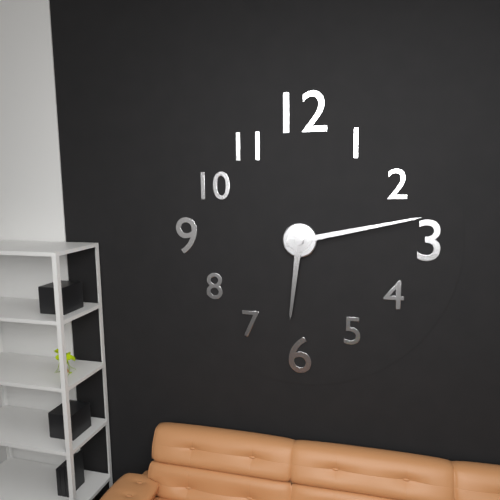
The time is 6:13
